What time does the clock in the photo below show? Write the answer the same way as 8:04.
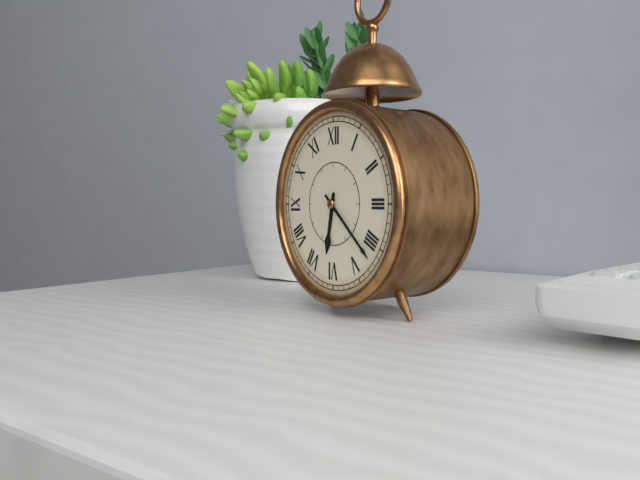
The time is 6:22
